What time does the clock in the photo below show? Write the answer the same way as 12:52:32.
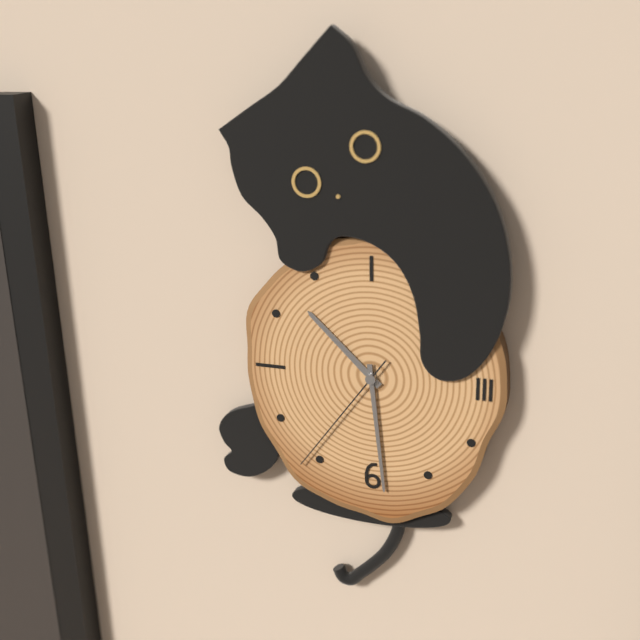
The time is 10:29:36
